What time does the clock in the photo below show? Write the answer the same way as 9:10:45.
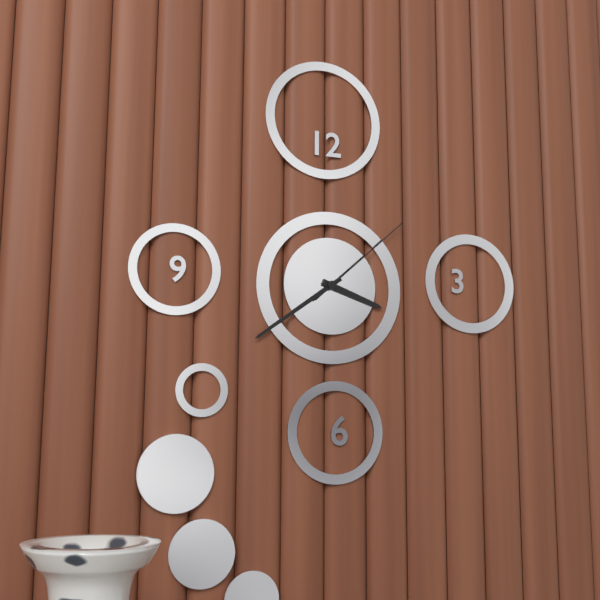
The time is 3:39:08
